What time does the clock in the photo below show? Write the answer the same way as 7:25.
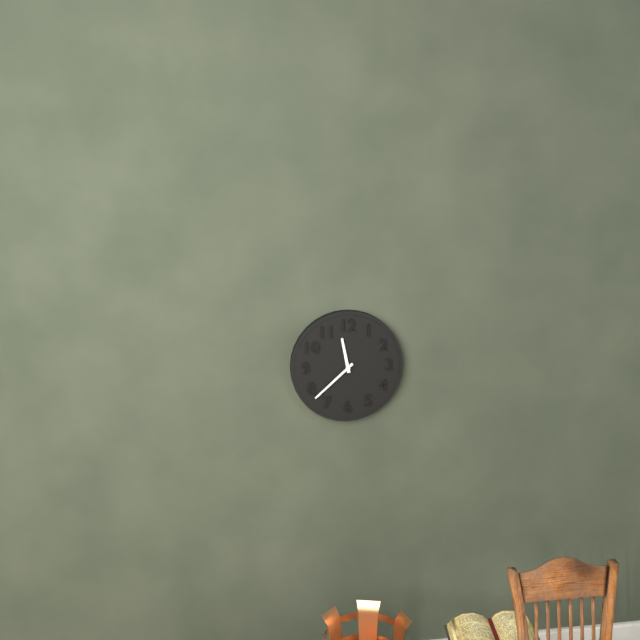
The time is 11:38
